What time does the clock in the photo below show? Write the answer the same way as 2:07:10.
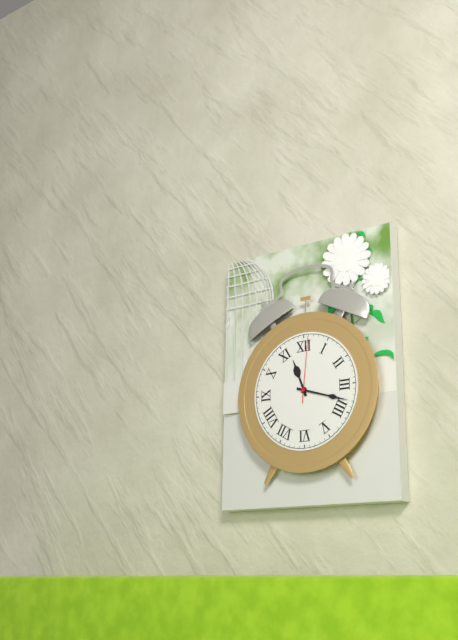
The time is 11:18:01
